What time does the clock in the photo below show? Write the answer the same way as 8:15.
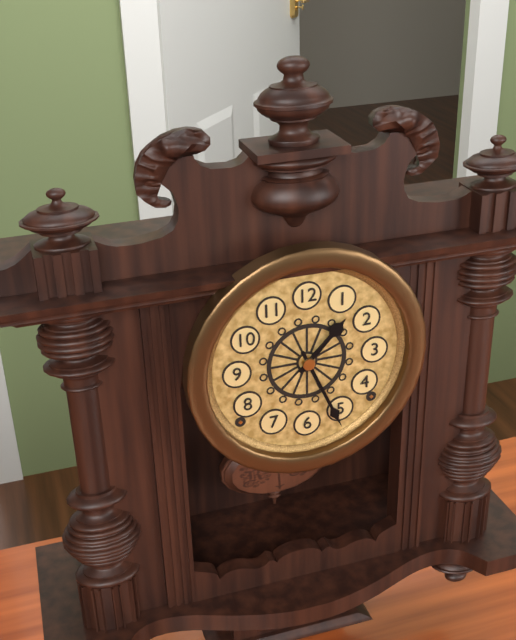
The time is 1:26
